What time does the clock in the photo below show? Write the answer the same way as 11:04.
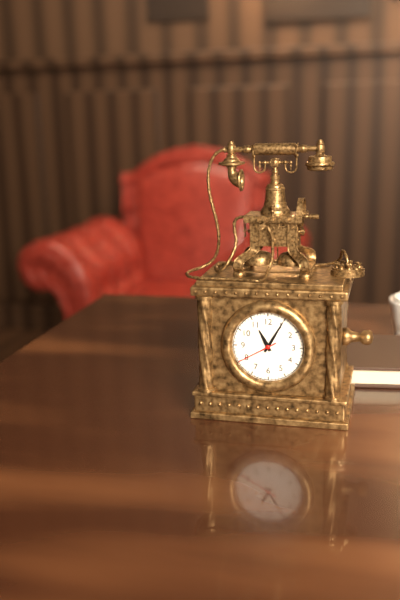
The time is 11:05
